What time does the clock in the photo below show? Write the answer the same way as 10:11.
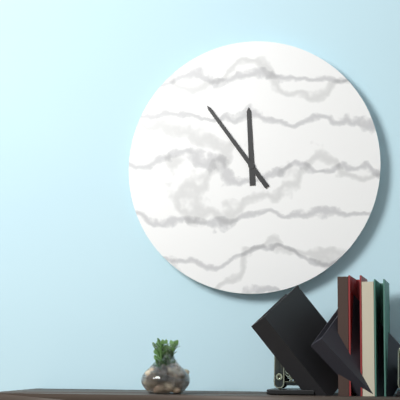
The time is 11:54
